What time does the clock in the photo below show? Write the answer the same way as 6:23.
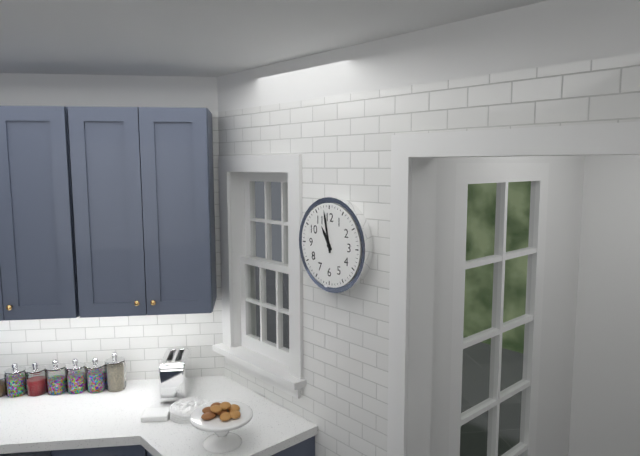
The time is 10:58
